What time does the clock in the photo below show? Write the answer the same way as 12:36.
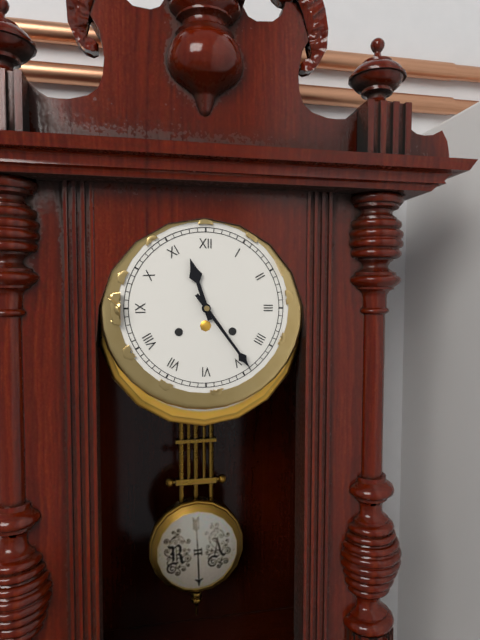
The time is 11:24
